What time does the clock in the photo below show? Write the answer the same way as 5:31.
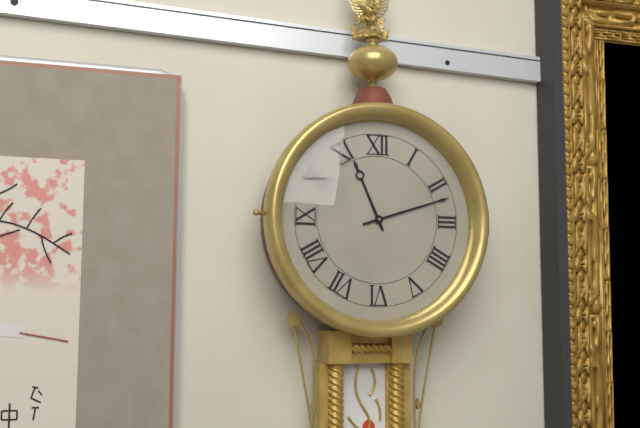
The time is 11:12
